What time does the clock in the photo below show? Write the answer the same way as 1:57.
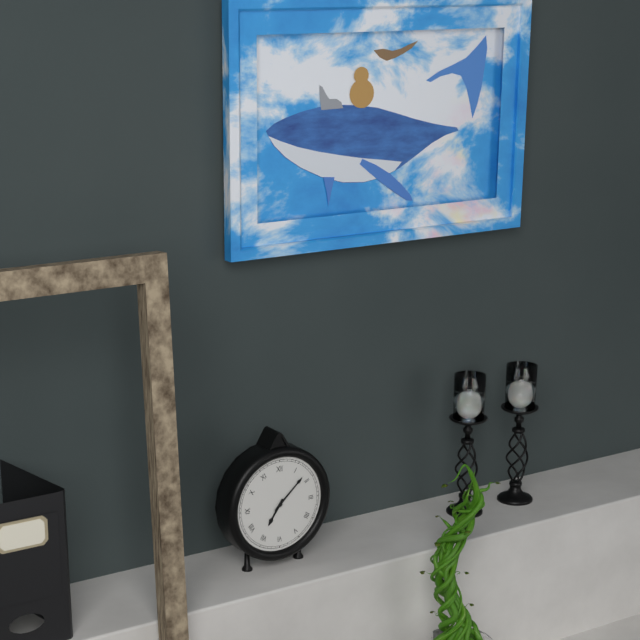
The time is 7:08
